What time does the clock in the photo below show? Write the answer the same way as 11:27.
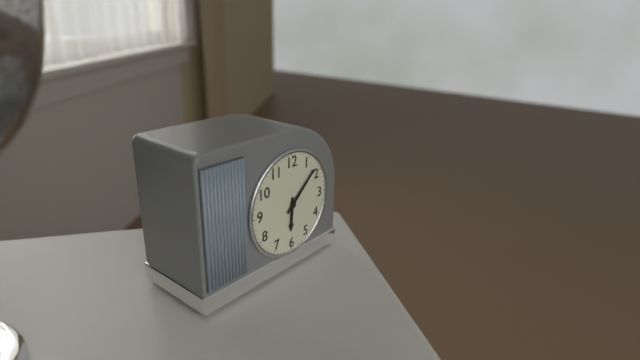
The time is 6:08
